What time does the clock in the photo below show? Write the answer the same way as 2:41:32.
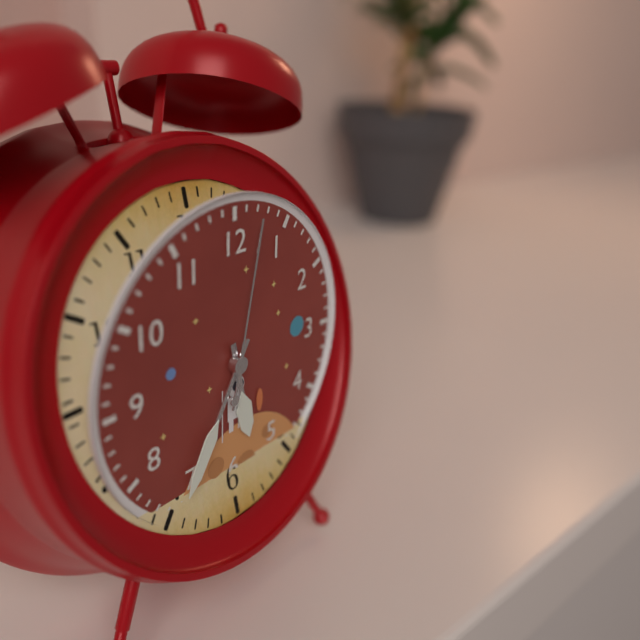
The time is 5:35:02
